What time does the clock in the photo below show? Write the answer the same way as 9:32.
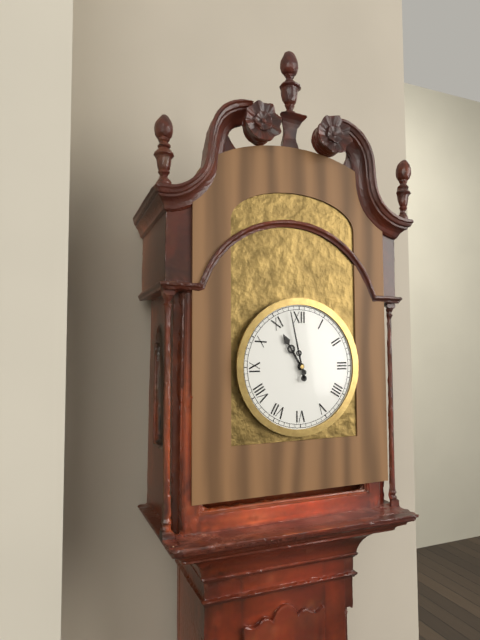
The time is 10:58
